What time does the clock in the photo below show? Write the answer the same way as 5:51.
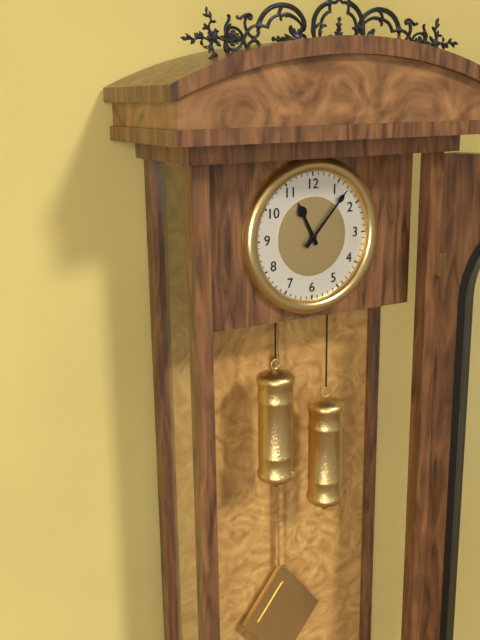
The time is 11:07
